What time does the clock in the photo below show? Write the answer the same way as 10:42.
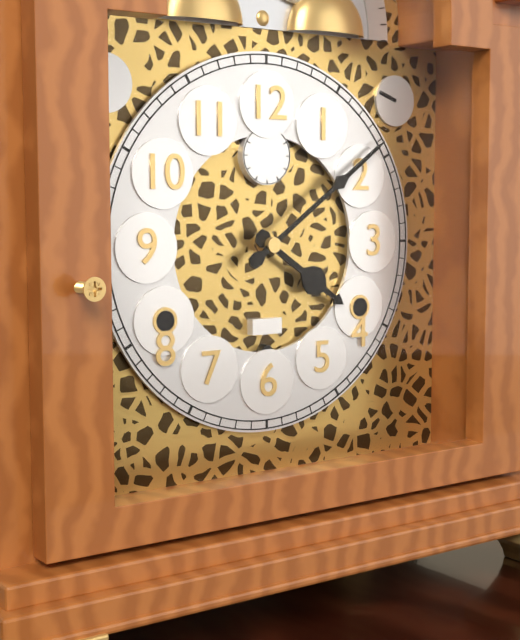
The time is 4:09
